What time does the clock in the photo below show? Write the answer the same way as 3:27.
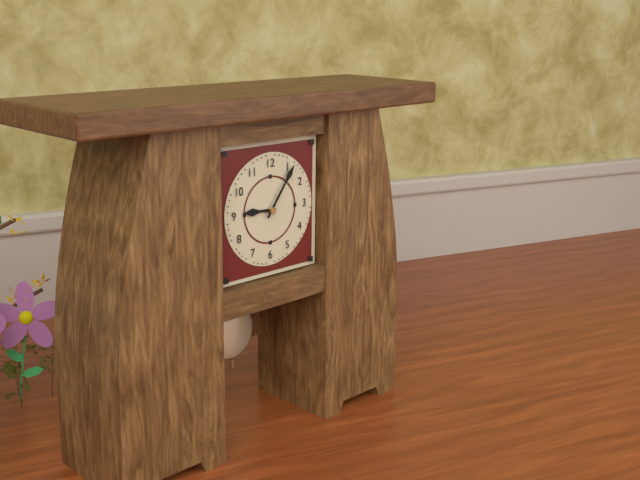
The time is 9:06
